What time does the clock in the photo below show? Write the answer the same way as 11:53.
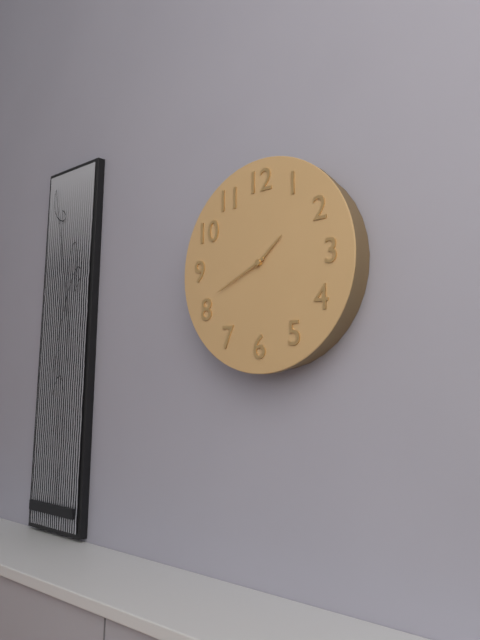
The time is 1:41
